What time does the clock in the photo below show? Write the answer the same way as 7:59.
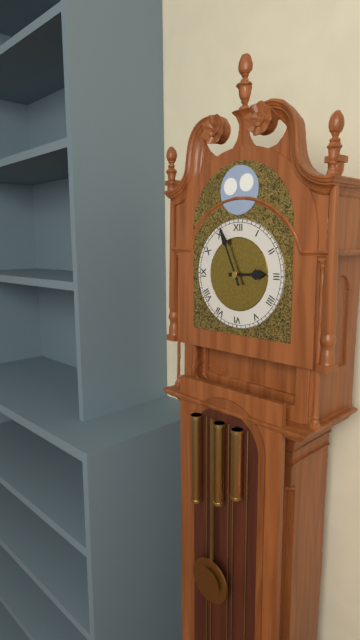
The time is 2:56
